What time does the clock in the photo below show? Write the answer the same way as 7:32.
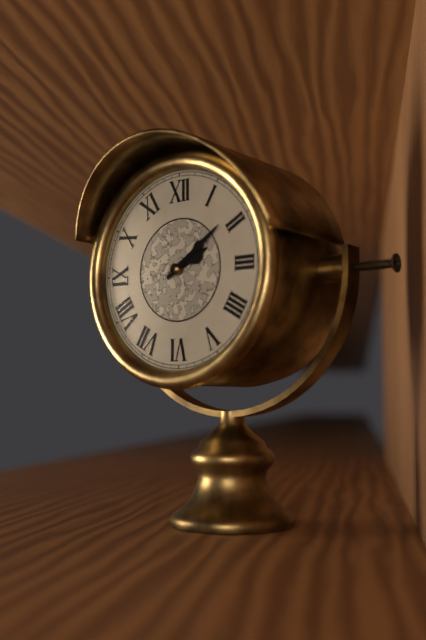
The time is 2:09
